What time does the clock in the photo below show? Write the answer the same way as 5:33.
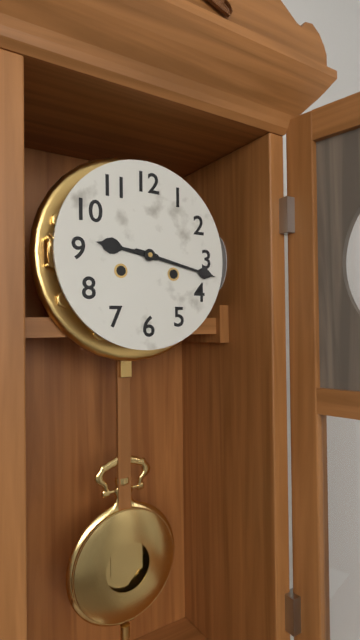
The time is 9:17
